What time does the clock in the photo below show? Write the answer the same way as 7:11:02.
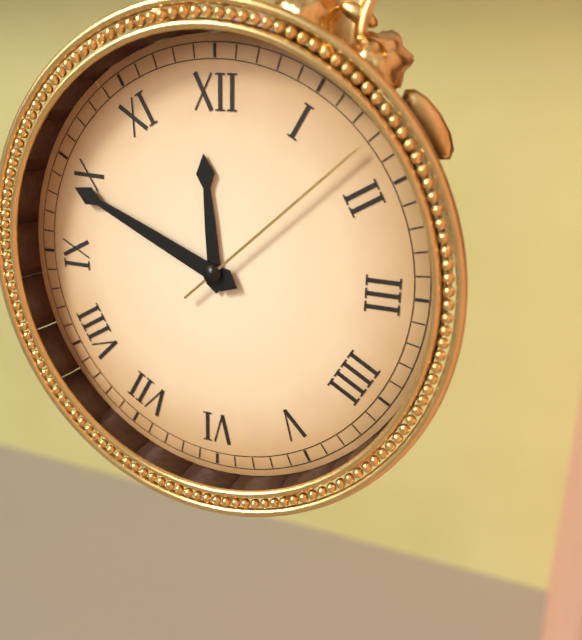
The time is 11:49:08
